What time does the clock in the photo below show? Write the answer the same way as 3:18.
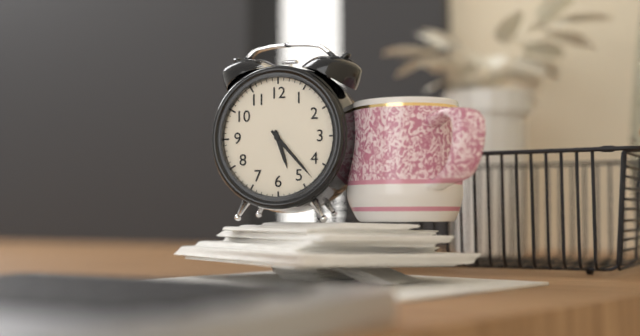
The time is 5:23
